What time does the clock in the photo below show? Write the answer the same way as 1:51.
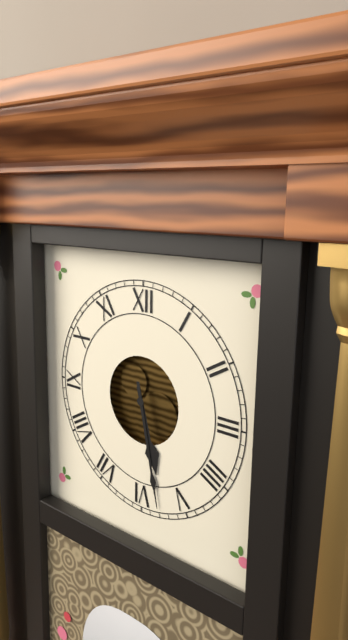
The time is 5:28
